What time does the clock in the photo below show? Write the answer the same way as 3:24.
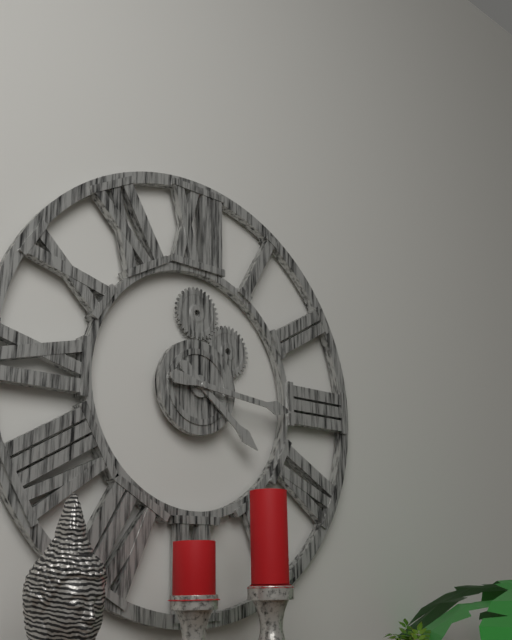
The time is 4:16
